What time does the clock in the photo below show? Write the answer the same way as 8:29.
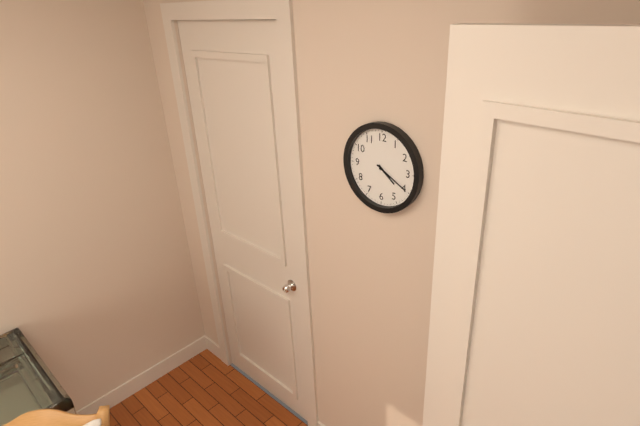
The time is 4:20
